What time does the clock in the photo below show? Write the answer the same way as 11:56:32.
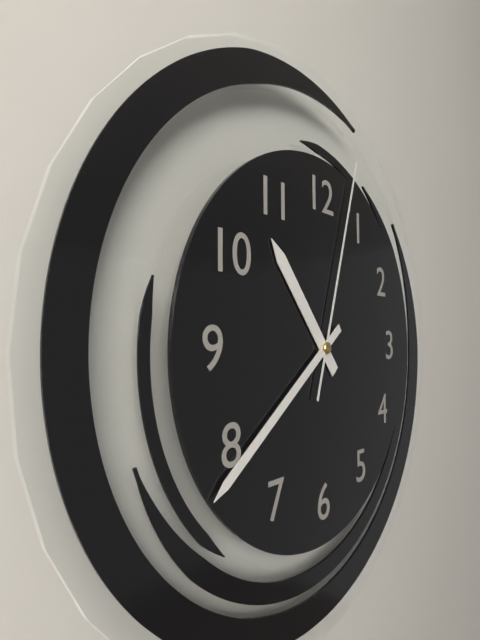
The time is 10:39:03
